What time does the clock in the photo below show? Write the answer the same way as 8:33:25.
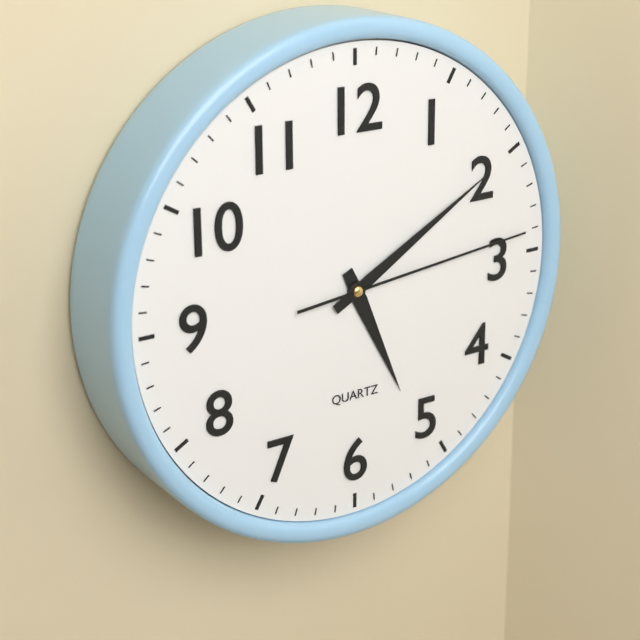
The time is 5:10:14
